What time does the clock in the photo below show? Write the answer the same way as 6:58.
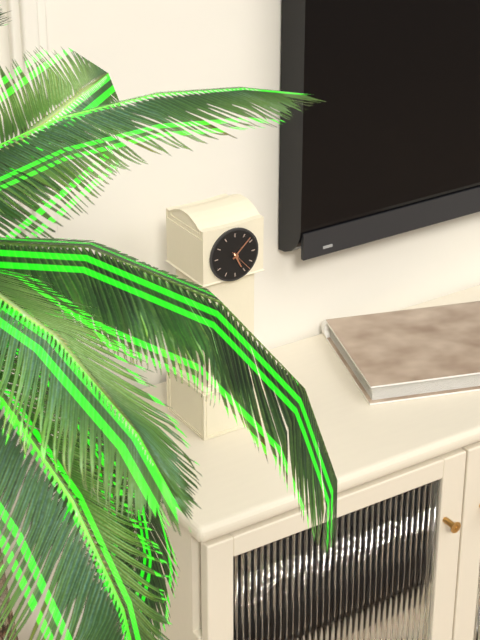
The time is 5:08
